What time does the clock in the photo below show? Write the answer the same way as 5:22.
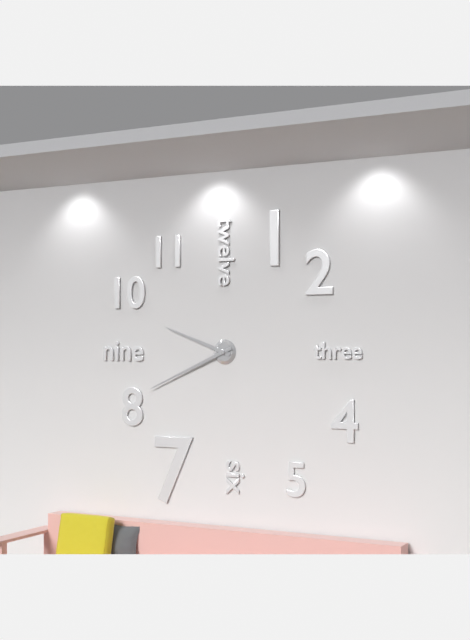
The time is 9:41
